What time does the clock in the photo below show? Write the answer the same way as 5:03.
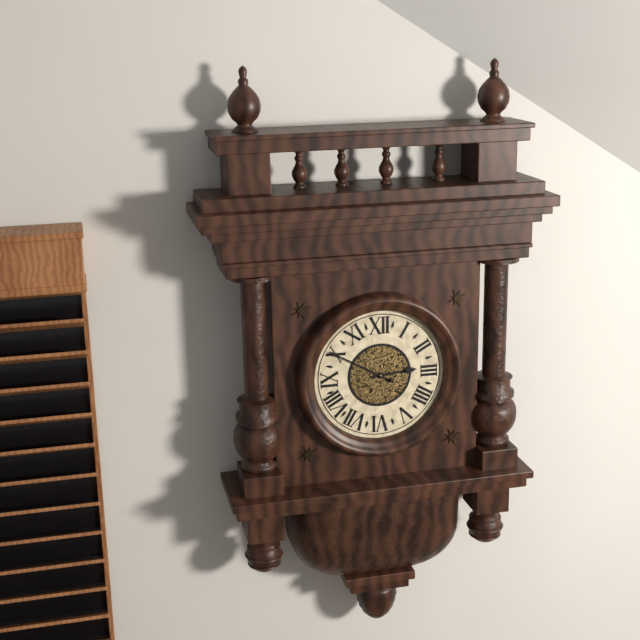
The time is 2:50
